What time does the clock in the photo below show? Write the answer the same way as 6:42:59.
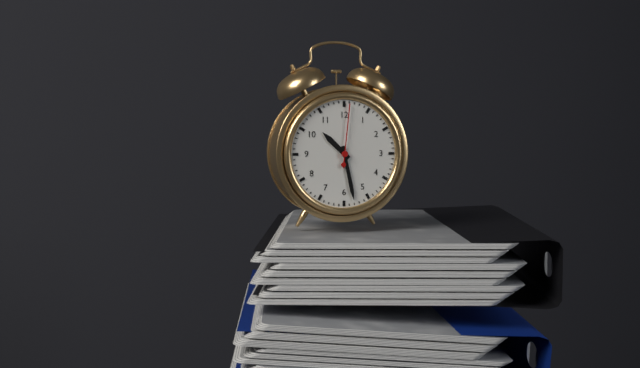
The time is 10:28:01
